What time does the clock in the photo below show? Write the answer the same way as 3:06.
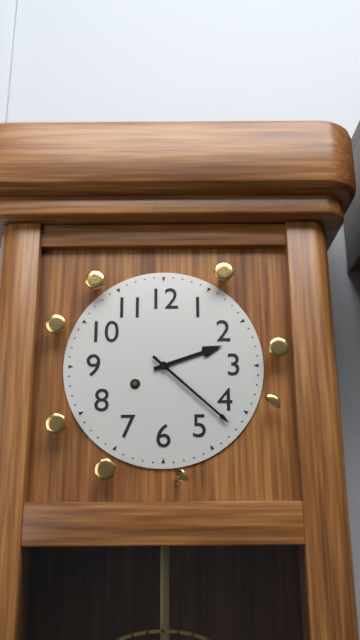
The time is 2:22
